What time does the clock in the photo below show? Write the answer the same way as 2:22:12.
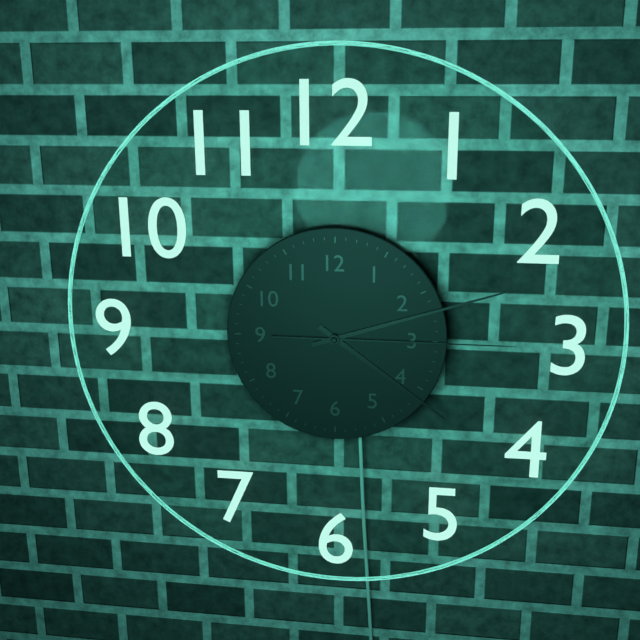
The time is 4:12:15
